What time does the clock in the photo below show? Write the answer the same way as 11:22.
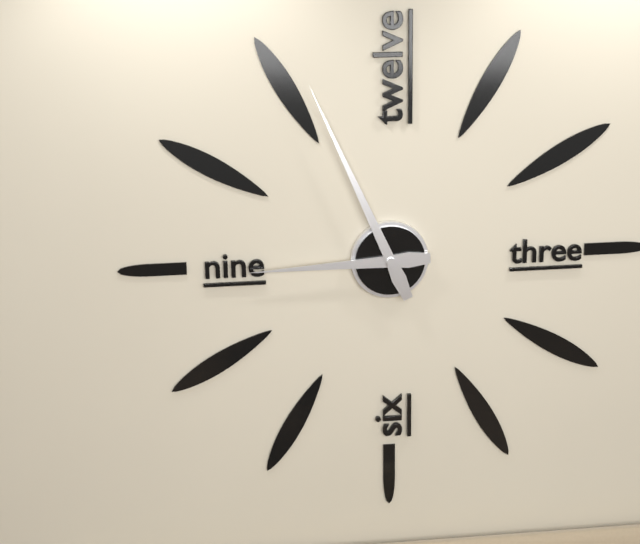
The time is 8:56
